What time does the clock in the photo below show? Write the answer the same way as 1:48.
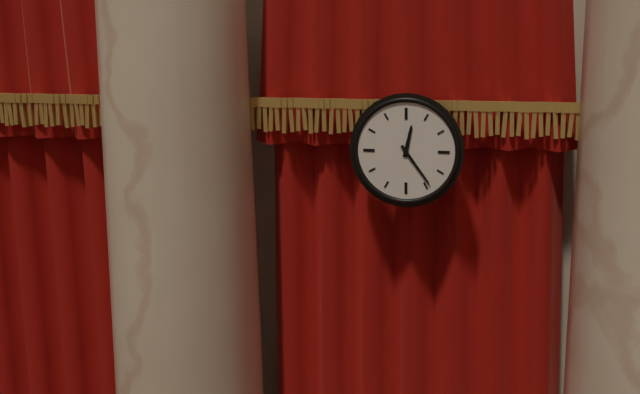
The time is 12:24
